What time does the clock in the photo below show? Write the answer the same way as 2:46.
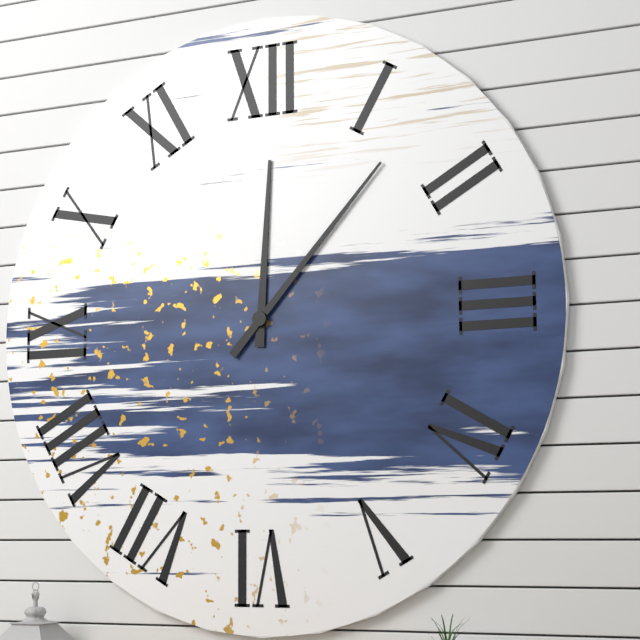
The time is 12:07
